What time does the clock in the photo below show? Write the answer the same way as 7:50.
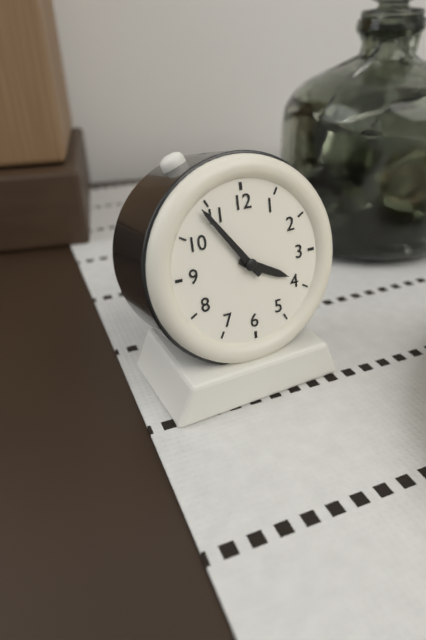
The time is 3:54
